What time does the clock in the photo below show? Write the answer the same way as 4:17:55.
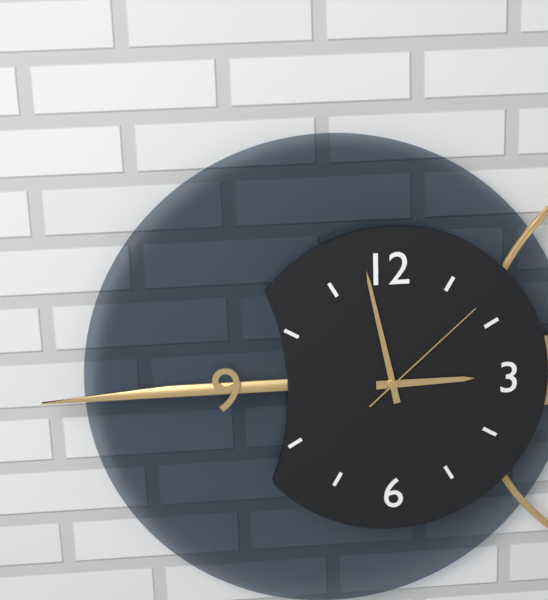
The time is 2:58:08
